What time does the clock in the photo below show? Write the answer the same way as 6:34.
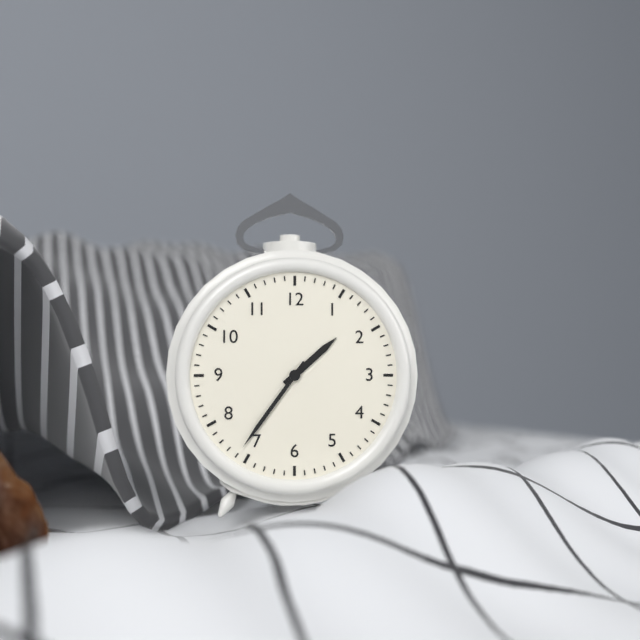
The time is 1:36
